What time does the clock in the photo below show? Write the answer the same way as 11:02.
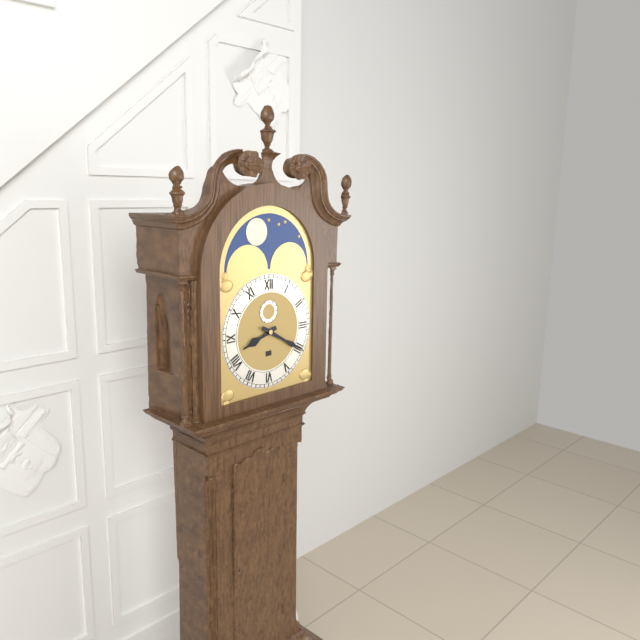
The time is 8:20
